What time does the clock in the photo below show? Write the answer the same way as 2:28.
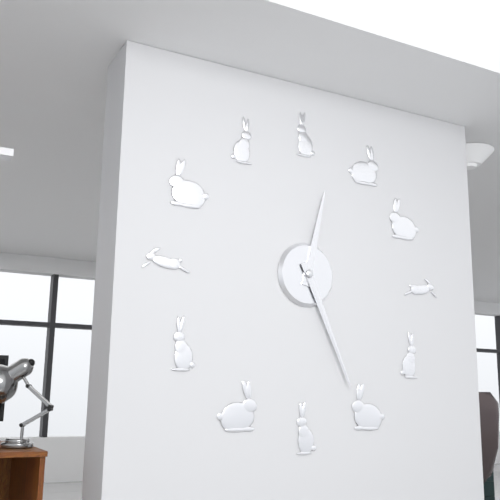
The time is 12:26
